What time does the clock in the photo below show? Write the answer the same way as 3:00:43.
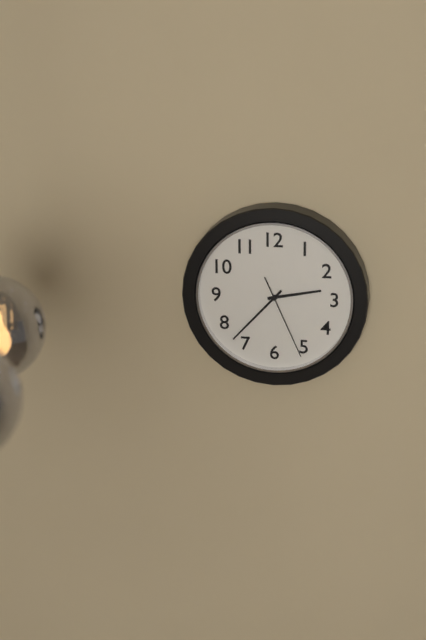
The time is 2:37:26
